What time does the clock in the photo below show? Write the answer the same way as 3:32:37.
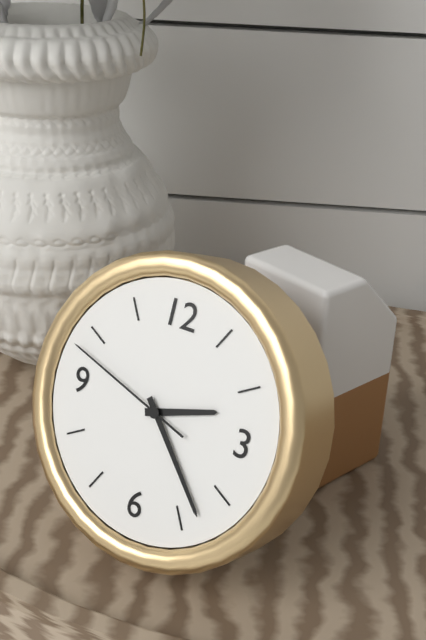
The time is 2:23:48
